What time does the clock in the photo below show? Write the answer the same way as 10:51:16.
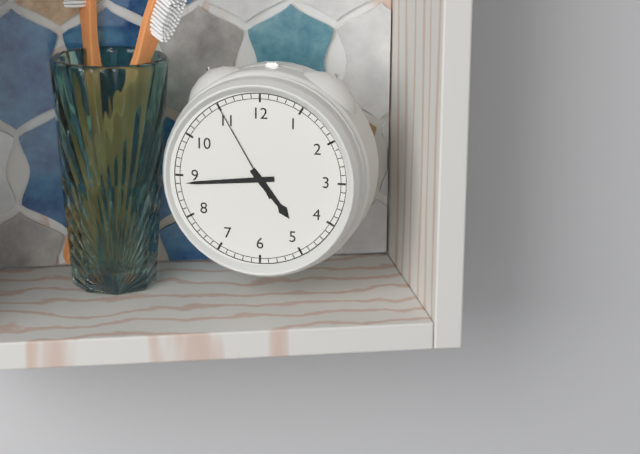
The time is 4:44:55
